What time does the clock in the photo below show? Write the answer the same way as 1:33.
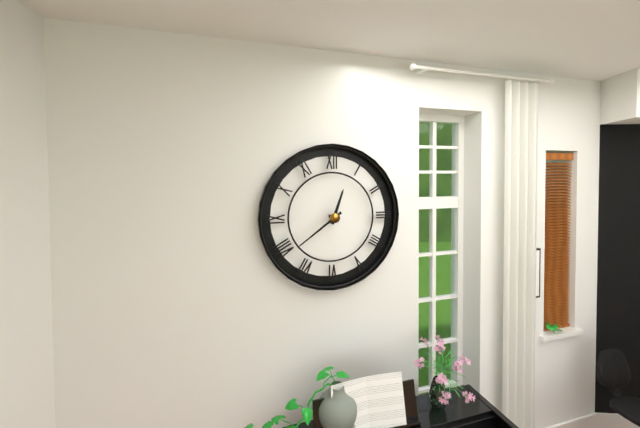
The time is 12:39
